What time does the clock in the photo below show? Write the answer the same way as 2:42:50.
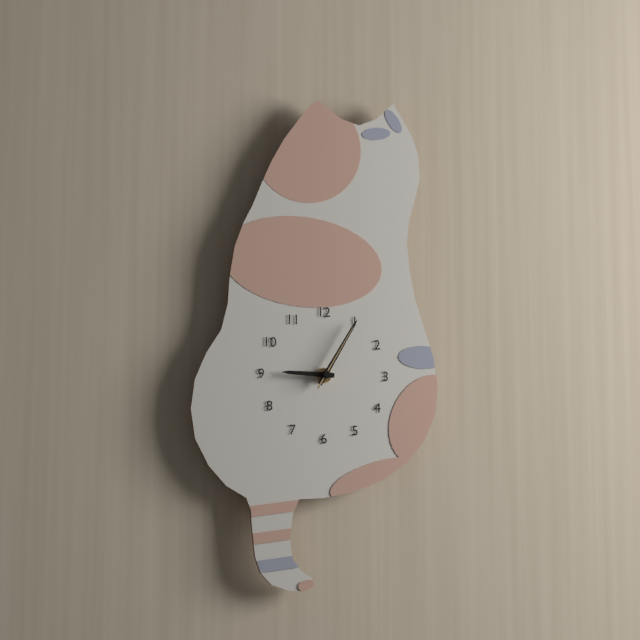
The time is 9:05:05
